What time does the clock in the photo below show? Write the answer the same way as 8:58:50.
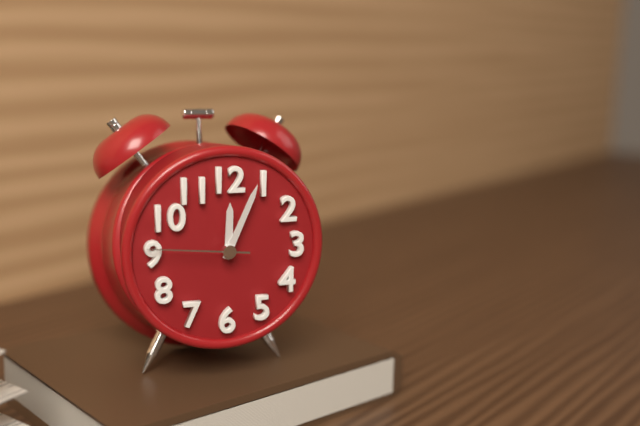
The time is 12:04:46
